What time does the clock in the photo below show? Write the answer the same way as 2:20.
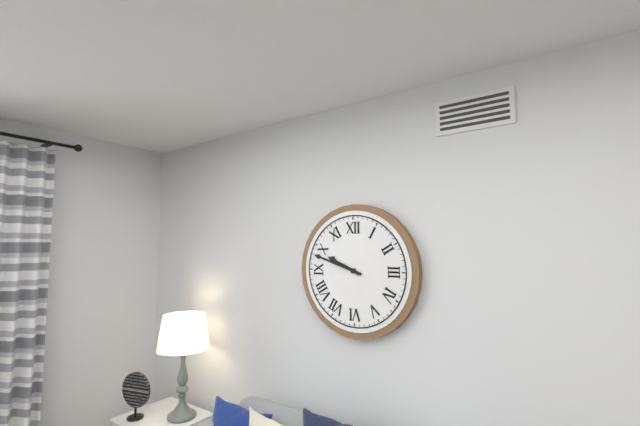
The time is 9:48
